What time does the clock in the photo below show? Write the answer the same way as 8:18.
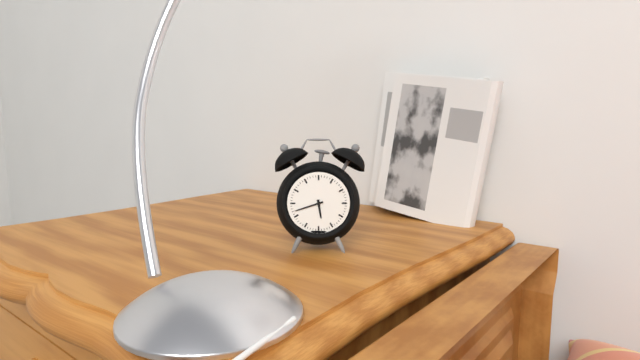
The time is 5:42
